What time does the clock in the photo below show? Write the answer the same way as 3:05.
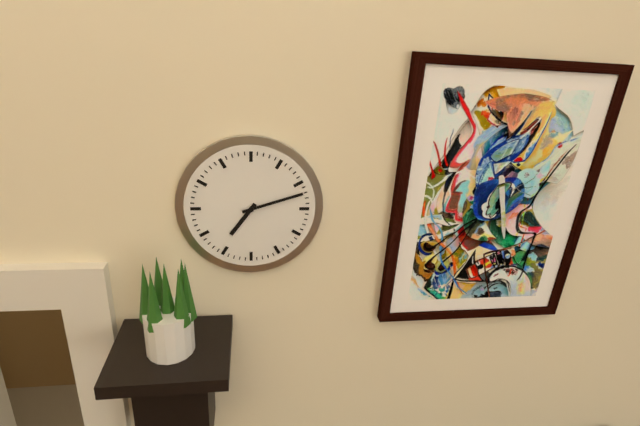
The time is 7:12
